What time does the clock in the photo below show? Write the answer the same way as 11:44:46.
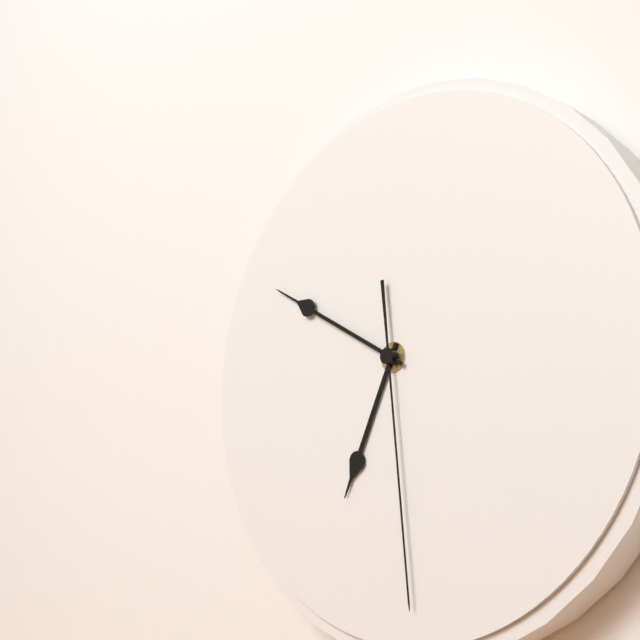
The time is 6:50:29
